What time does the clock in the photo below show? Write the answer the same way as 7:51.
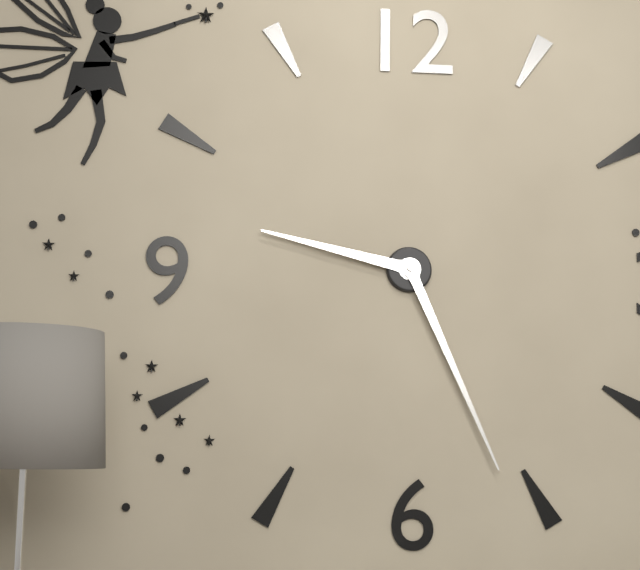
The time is 9:26
